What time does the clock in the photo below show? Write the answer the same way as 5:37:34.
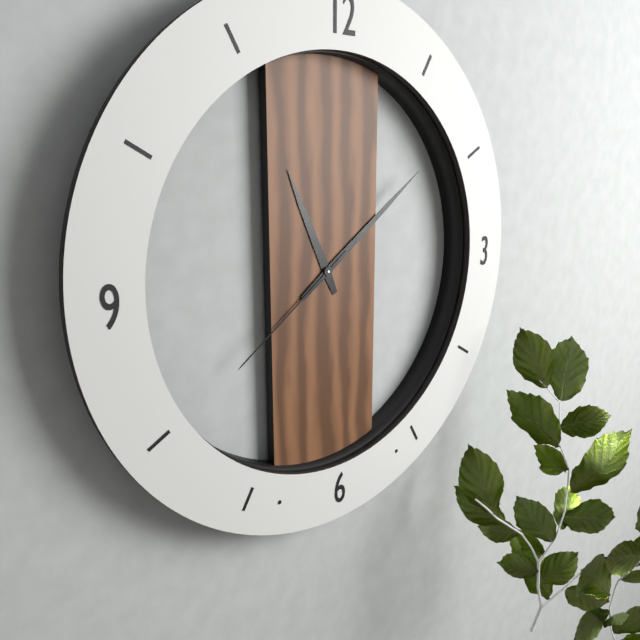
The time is 11:09:39
